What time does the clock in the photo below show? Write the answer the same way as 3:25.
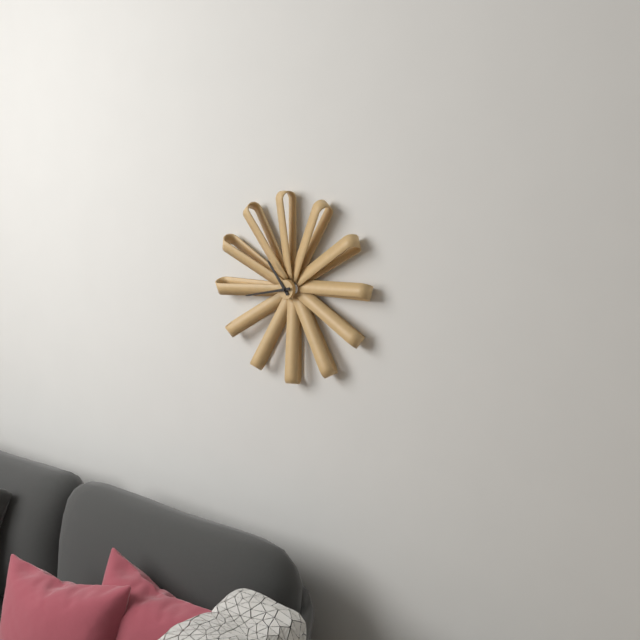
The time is 10:43
